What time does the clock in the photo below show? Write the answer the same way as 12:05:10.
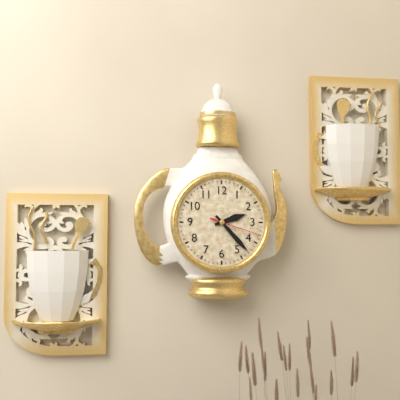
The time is 2:23:18
